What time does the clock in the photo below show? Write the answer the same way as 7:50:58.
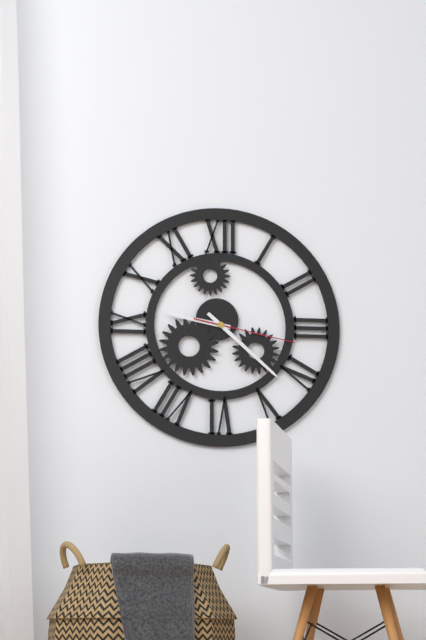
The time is 9:22:17
